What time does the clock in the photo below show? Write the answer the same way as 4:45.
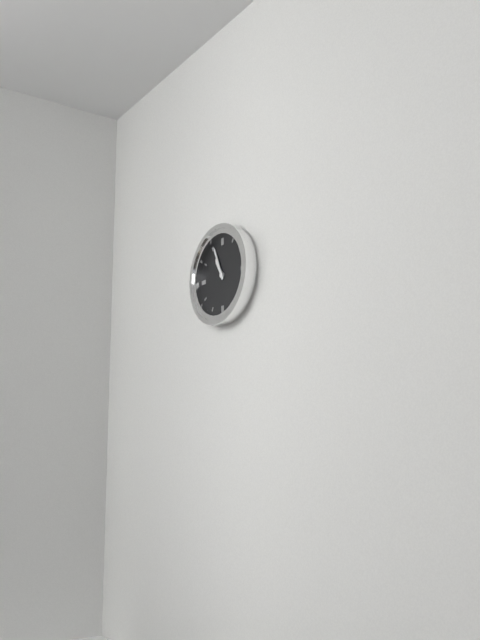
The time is 10:56
